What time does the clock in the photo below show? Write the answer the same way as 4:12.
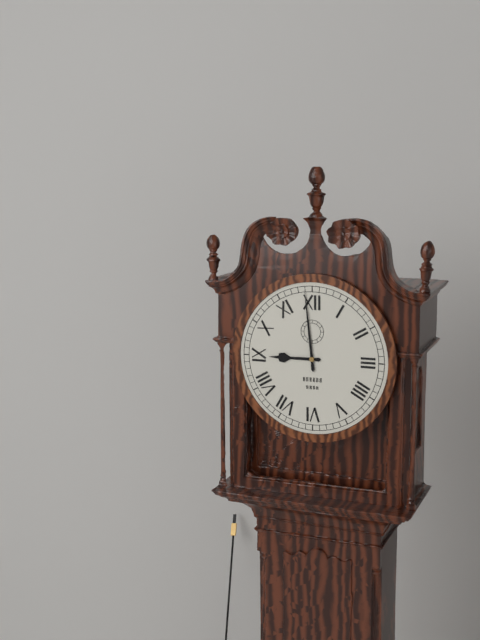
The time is 8:59
